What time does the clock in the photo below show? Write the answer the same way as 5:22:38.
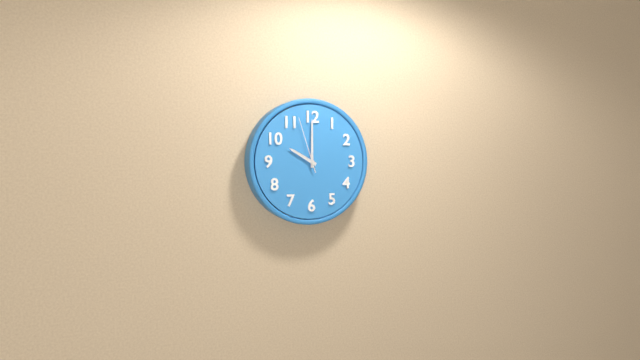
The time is 10:00:57
